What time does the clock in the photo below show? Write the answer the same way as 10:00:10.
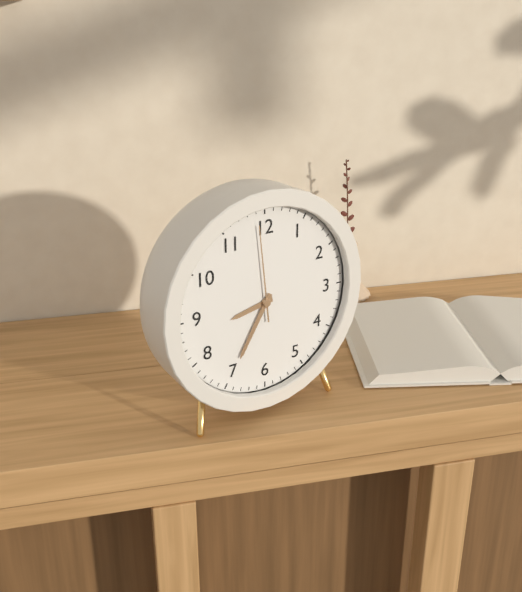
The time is 8:35:59
